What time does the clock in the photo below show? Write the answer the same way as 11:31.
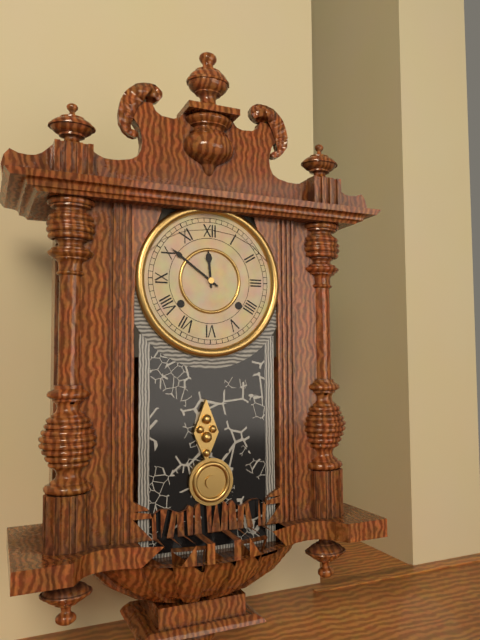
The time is 11:51
